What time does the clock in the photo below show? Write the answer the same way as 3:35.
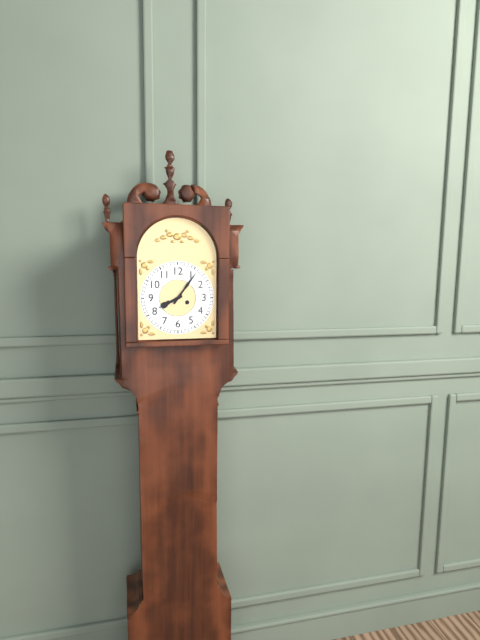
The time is 8:06
